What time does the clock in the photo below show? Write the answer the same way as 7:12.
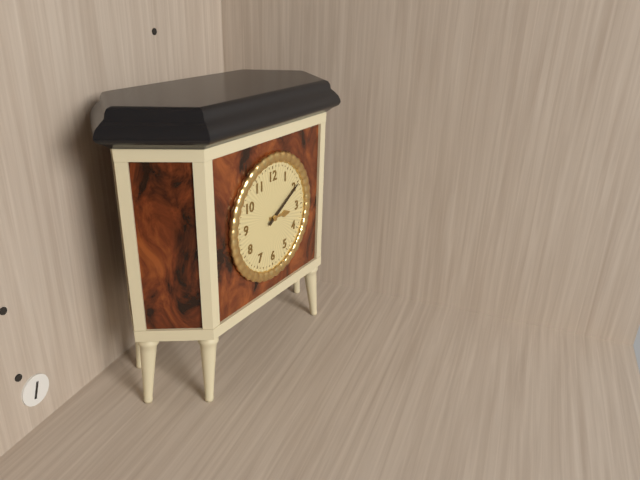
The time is 3:10
